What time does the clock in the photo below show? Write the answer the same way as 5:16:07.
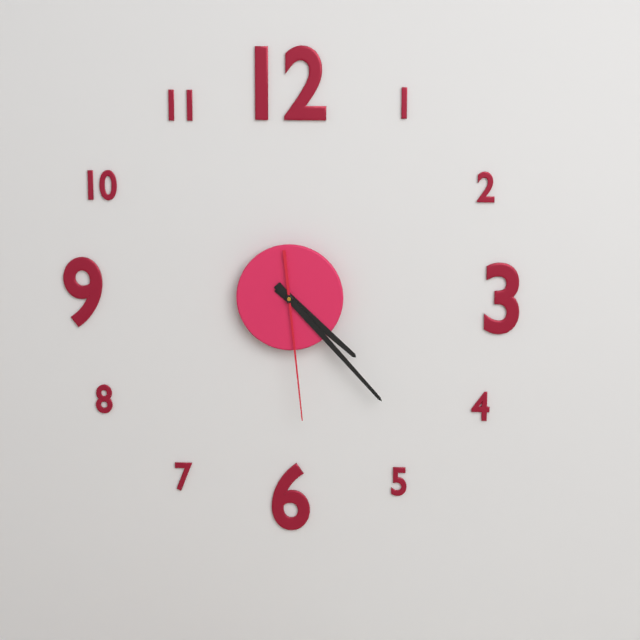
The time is 4:23:29
